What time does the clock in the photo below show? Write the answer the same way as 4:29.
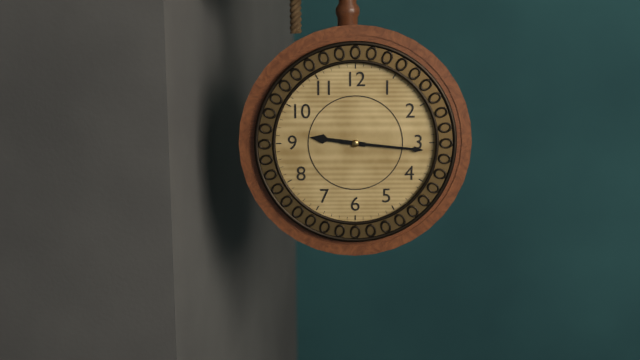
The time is 9:16
